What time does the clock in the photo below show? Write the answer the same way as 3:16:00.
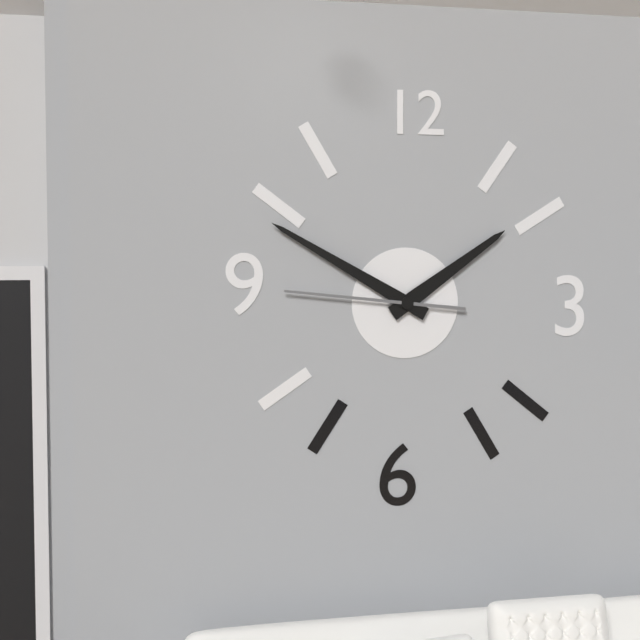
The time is 1:50:46
